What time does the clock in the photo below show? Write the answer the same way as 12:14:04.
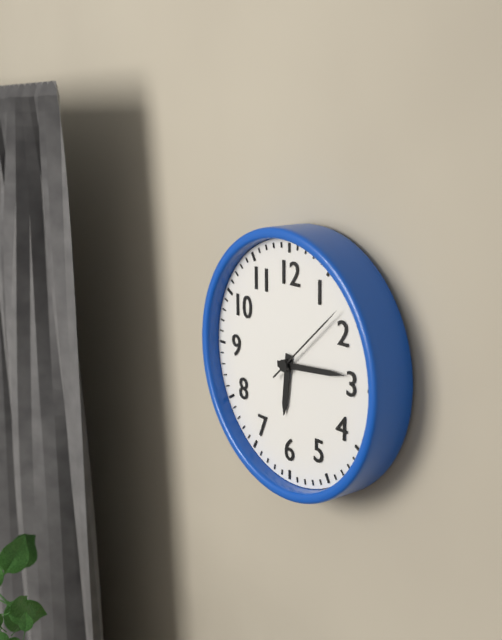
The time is 6:14:08
